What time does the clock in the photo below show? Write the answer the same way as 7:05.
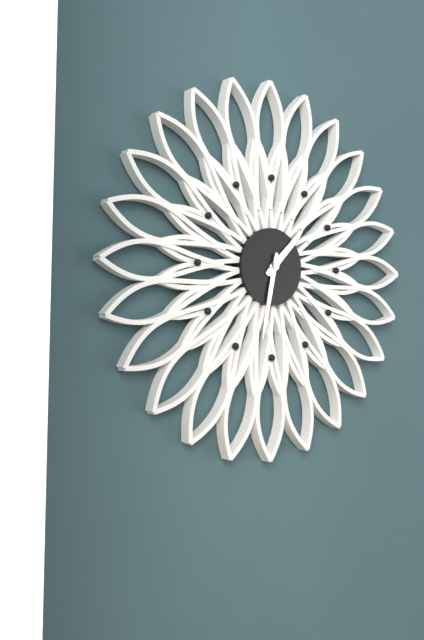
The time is 1:32
